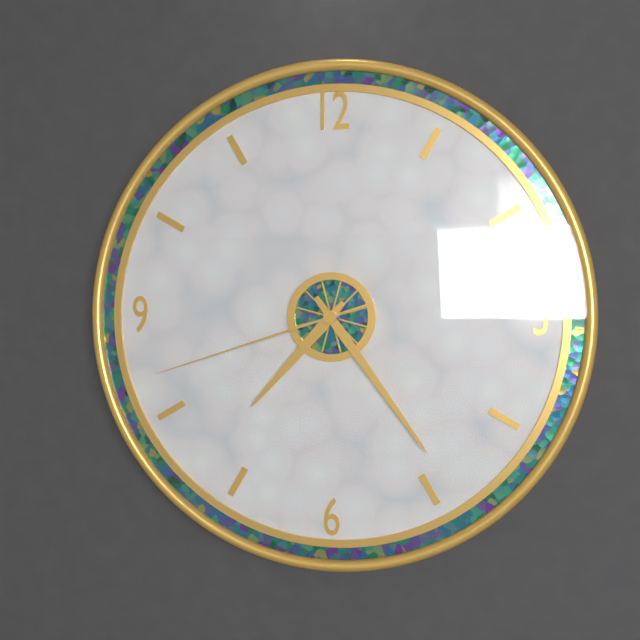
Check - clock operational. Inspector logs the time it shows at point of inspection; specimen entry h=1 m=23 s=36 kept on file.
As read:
h=7 m=24 s=42
